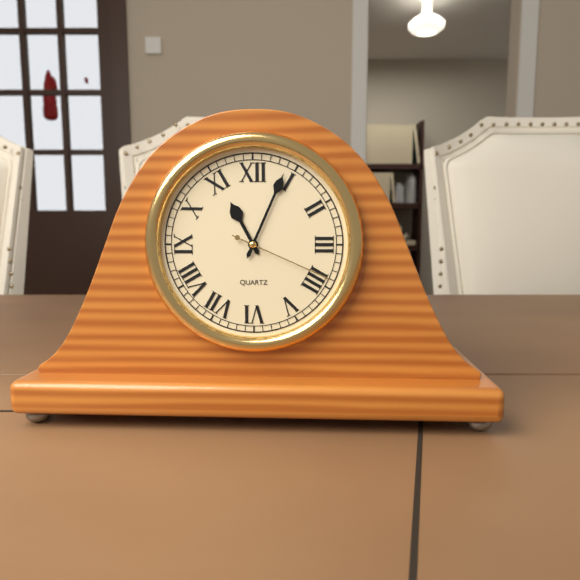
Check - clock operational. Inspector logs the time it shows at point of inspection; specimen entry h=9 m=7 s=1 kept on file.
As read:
h=11 m=4 s=19
